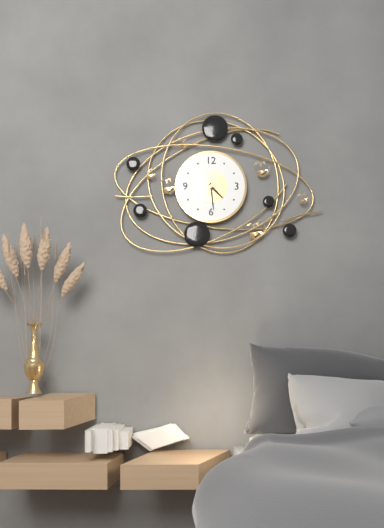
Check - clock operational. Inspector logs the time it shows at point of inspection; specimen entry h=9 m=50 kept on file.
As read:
h=4 m=29
